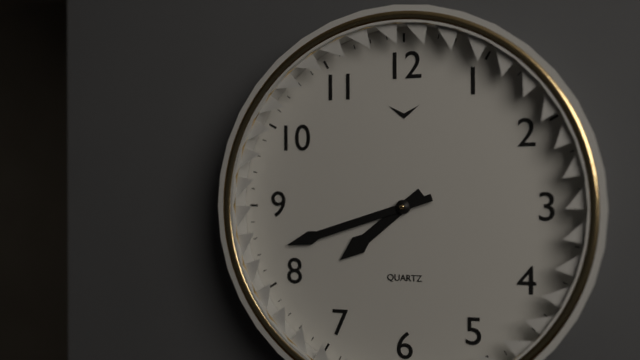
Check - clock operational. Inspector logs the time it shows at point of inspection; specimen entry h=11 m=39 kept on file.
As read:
h=7 m=42
